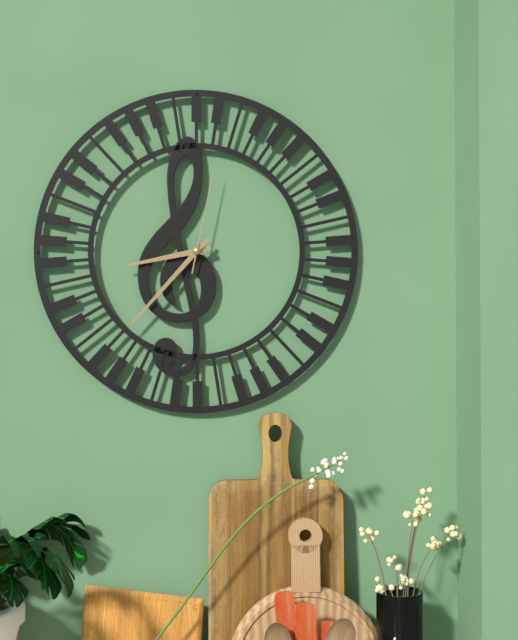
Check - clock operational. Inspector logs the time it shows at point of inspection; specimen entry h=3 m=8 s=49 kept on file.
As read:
h=8 m=37 s=2
